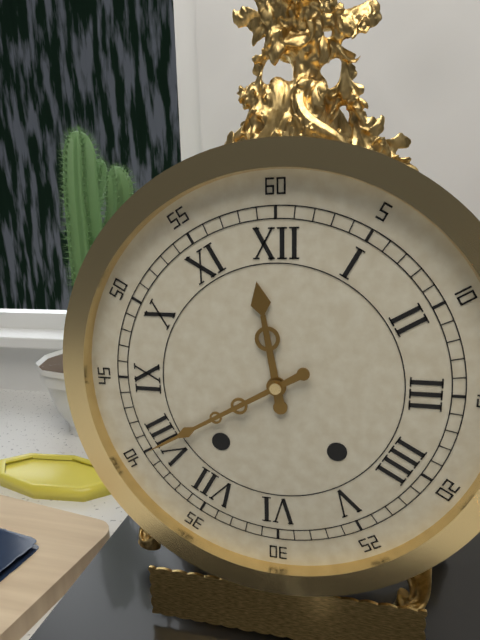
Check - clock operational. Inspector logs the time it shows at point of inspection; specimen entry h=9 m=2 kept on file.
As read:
h=11 m=40
